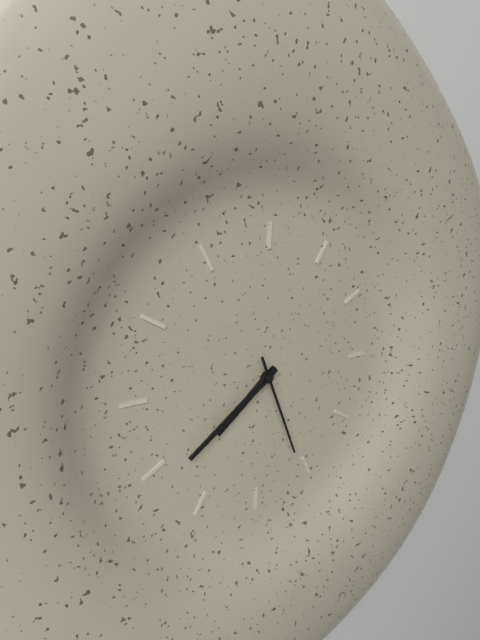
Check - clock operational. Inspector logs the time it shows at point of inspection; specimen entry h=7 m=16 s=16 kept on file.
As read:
h=7 m=39 s=26
